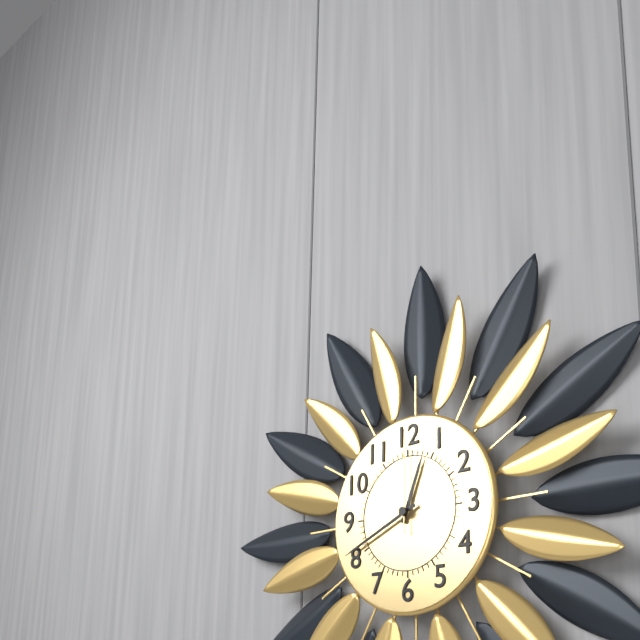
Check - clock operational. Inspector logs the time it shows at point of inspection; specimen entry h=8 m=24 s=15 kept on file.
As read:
h=12 m=41 s=0
